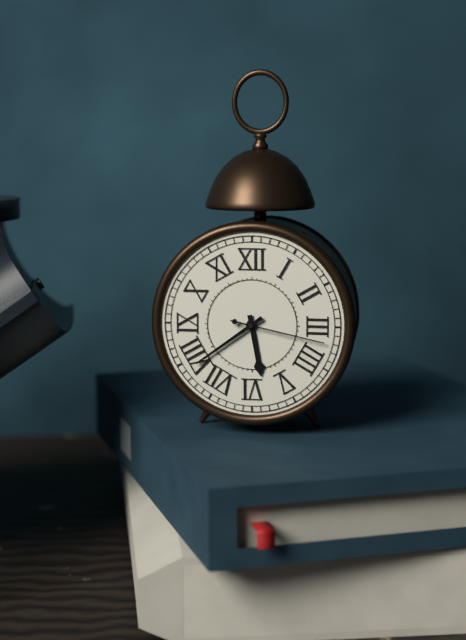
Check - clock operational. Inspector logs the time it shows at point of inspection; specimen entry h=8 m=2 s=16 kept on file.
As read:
h=5 m=39 s=17
